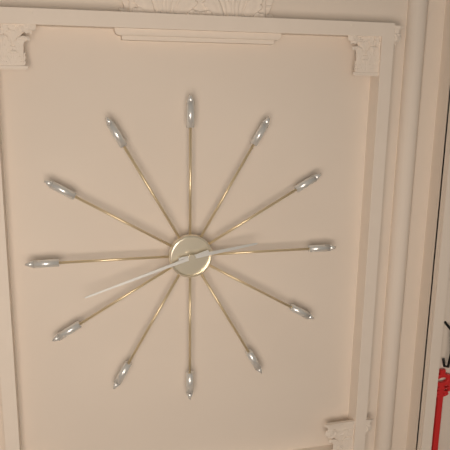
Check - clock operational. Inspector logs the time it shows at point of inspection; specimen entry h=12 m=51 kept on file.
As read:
h=2 m=42
